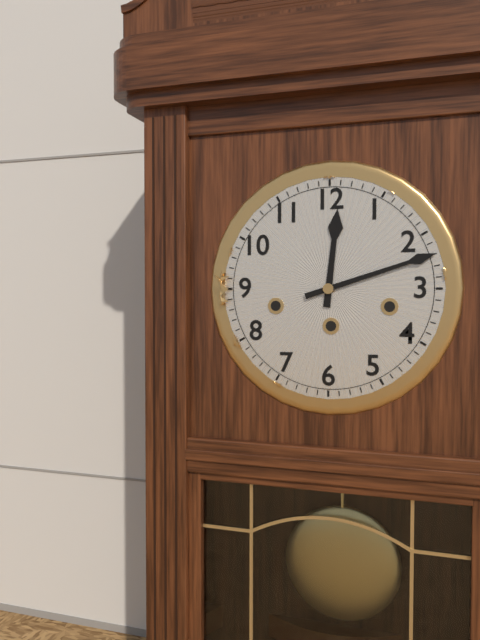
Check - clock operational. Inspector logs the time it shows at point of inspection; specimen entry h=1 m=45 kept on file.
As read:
h=12 m=12
